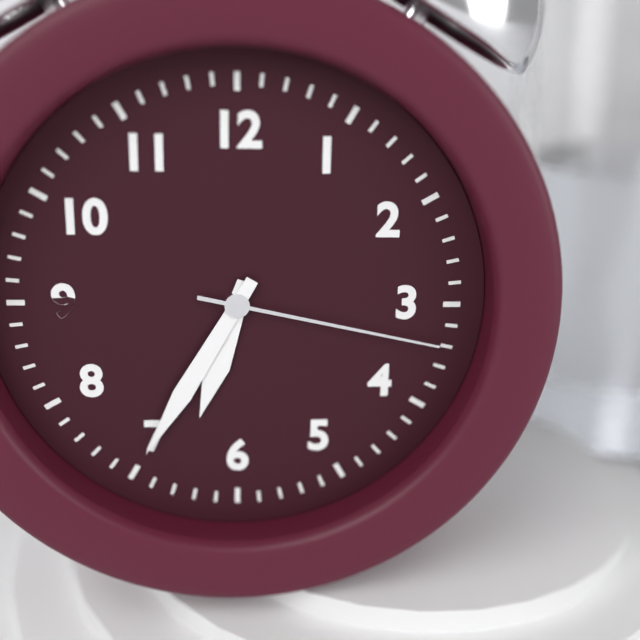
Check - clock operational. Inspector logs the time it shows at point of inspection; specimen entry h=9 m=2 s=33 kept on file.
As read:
h=6 m=35 s=17
